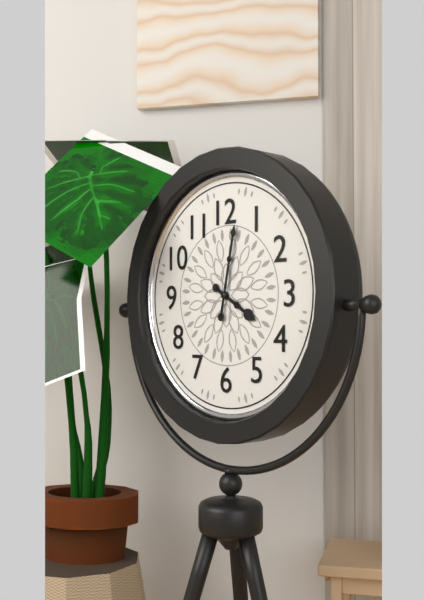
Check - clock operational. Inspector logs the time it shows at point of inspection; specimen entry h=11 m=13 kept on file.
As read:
h=4 m=2
